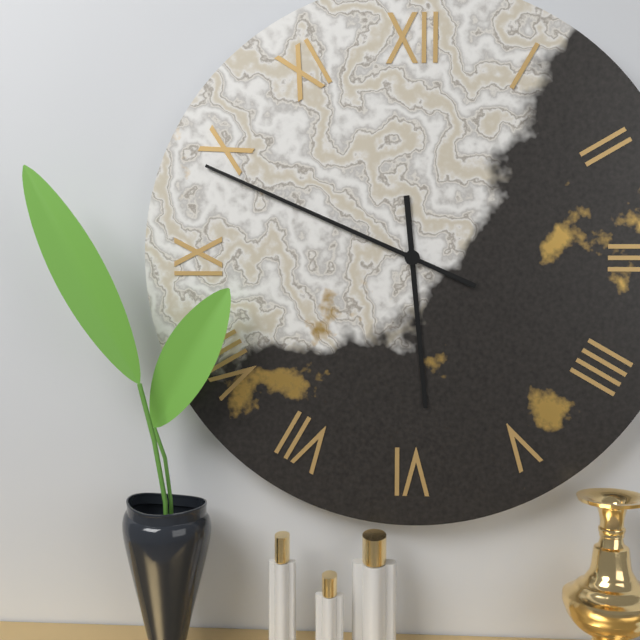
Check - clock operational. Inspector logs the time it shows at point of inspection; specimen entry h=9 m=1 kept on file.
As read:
h=5 m=49
